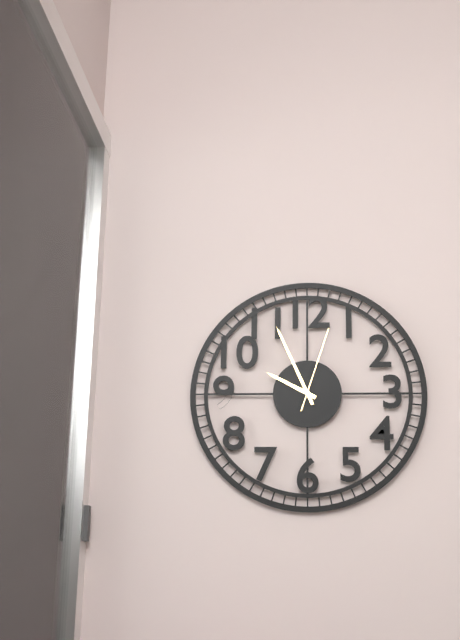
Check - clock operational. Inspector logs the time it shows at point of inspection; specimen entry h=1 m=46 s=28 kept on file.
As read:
h=9 m=56 s=3
